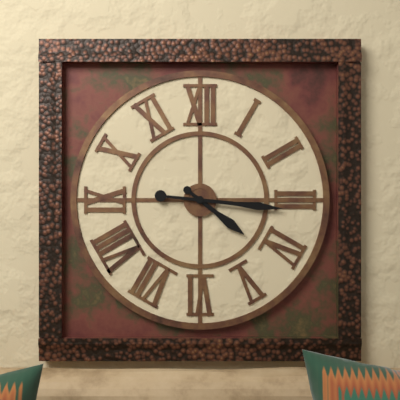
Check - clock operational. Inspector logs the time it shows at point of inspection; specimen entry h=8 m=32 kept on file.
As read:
h=4 m=16
